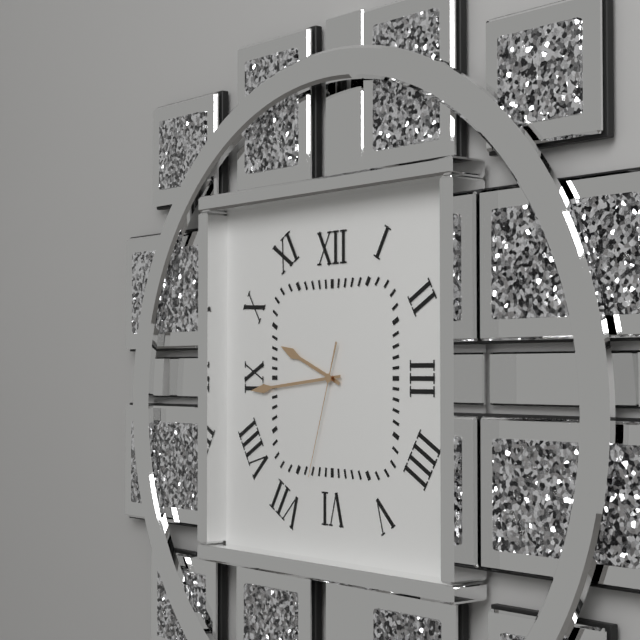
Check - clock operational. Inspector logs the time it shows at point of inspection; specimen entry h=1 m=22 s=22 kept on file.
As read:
h=9 m=44 s=33
